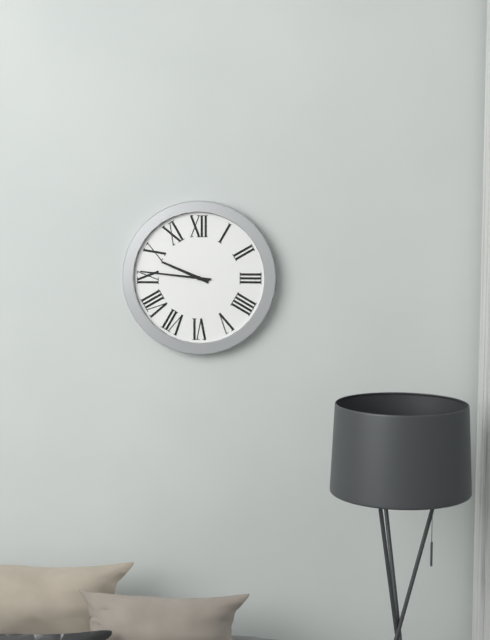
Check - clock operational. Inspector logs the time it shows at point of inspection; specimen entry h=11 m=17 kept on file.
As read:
h=9 m=46
